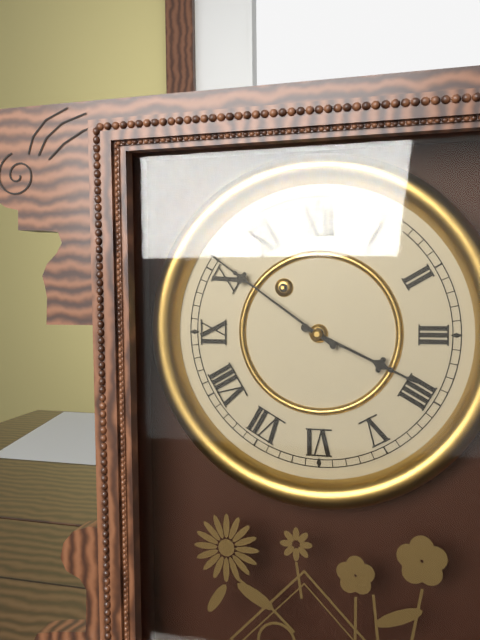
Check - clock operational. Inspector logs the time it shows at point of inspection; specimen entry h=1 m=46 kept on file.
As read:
h=3 m=51
